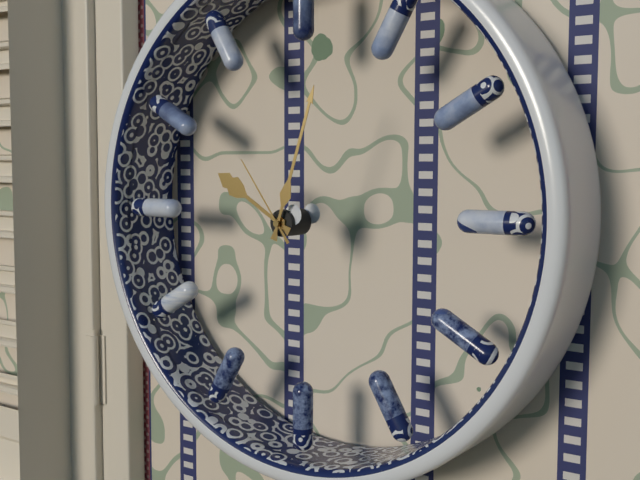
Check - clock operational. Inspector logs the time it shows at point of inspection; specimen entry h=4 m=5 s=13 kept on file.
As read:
h=10 m=3 s=54
